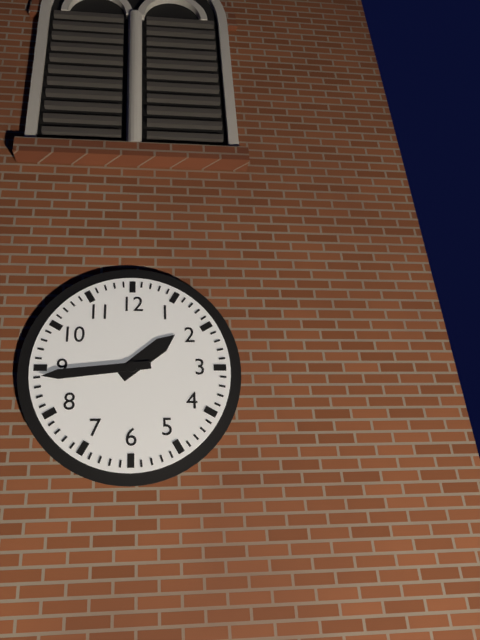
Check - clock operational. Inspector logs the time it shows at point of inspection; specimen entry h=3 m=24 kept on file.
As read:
h=1 m=44
